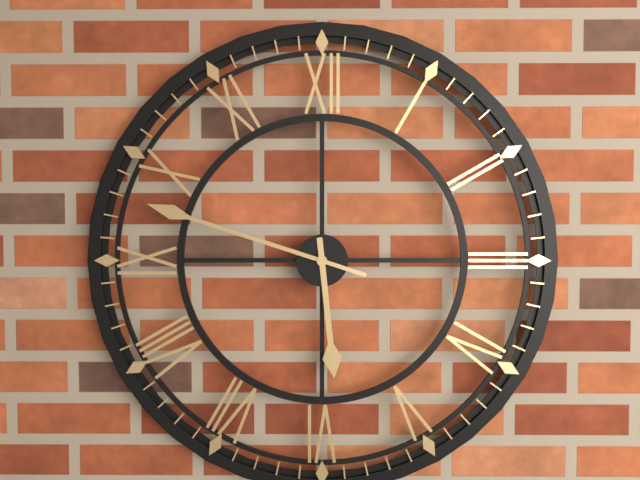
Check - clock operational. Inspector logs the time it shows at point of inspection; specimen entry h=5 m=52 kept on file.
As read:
h=5 m=48
